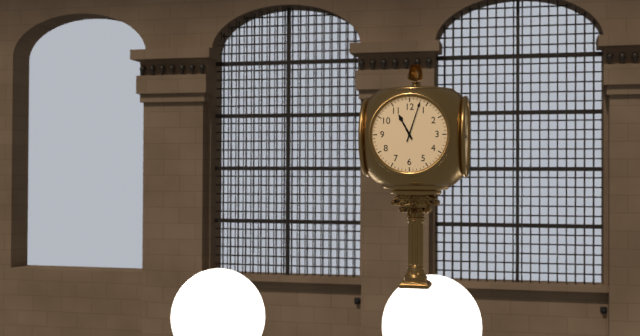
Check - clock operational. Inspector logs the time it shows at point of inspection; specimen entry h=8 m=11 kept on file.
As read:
h=11 m=3
